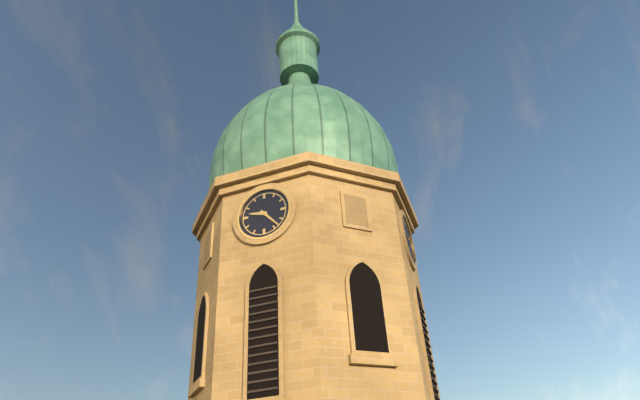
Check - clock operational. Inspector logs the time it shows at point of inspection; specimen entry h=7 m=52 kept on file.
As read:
h=9 m=23
